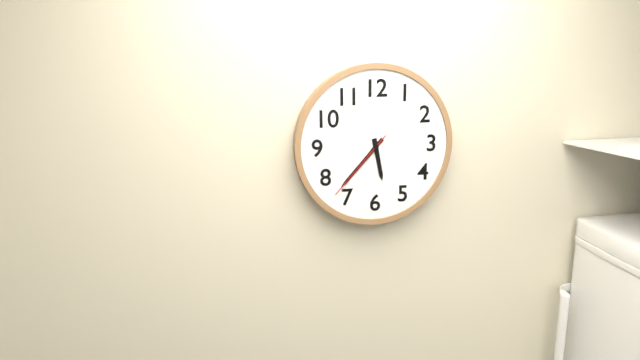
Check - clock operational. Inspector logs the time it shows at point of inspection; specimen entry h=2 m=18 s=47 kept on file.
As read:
h=5 m=37 s=37
